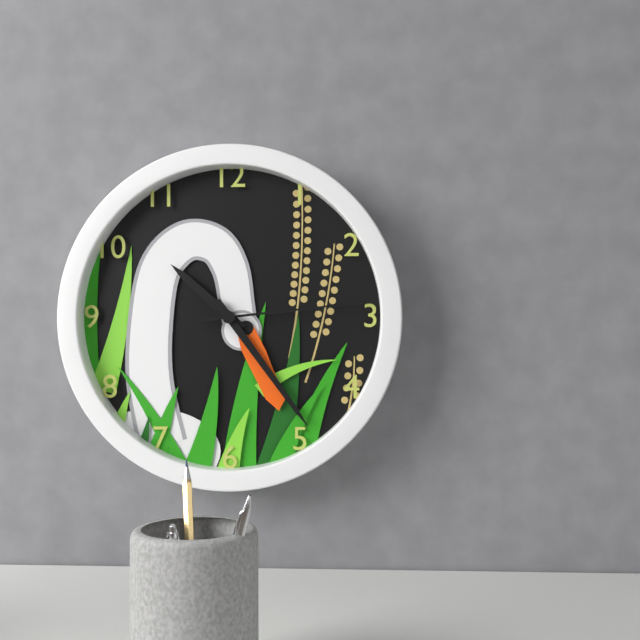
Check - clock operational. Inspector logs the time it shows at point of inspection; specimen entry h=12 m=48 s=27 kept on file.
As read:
h=10 m=24 s=14
